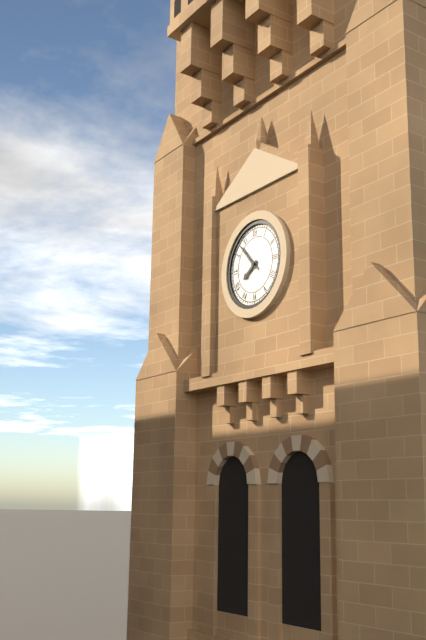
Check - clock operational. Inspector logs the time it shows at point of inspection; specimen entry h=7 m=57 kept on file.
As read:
h=7 m=53
